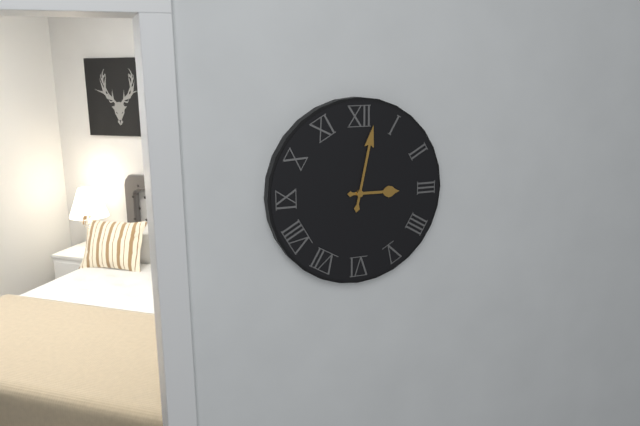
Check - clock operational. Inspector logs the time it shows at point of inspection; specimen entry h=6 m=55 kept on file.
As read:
h=3 m=2
